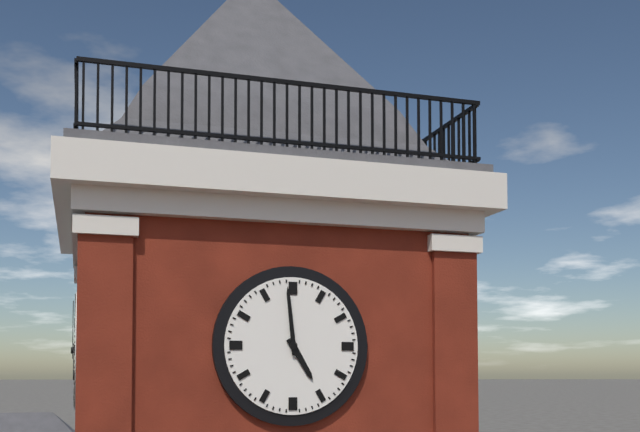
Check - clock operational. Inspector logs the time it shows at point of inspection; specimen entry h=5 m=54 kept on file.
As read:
h=4 m=59
